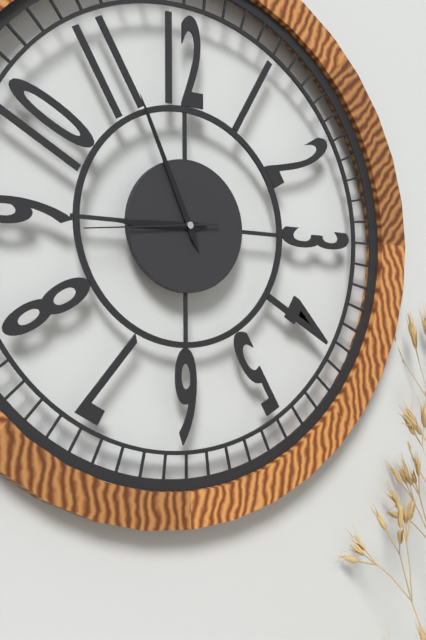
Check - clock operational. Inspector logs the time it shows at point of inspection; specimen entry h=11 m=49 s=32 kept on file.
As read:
h=8 m=56 s=44
